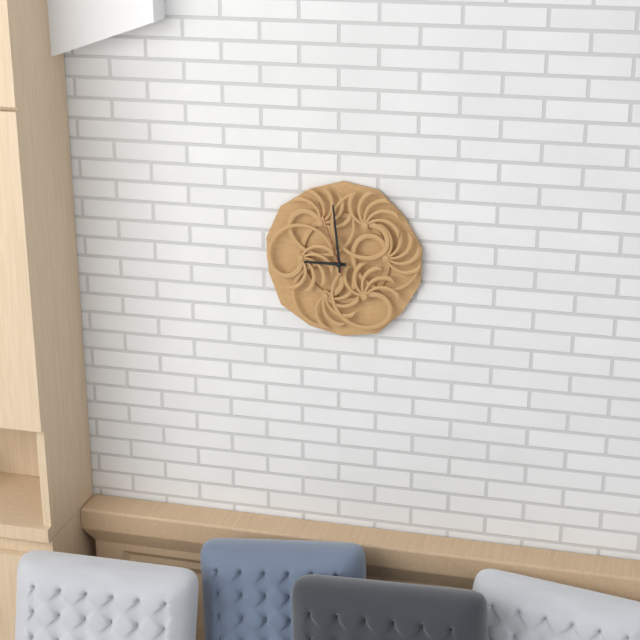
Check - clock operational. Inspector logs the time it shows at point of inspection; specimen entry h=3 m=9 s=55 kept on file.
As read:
h=8 m=59 s=57
